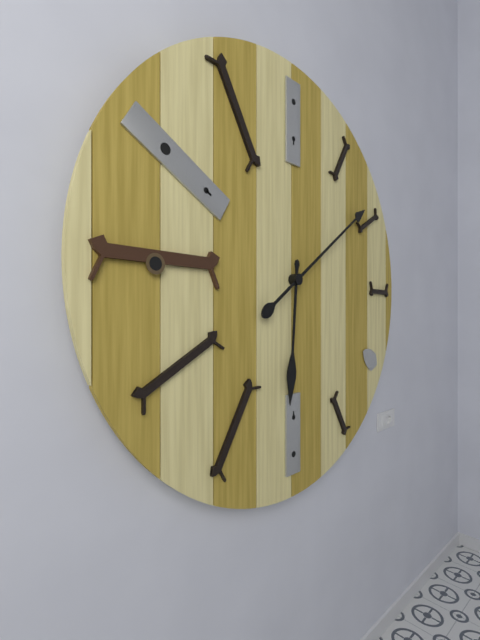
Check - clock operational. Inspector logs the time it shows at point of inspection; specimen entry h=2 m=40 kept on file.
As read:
h=6 m=9
